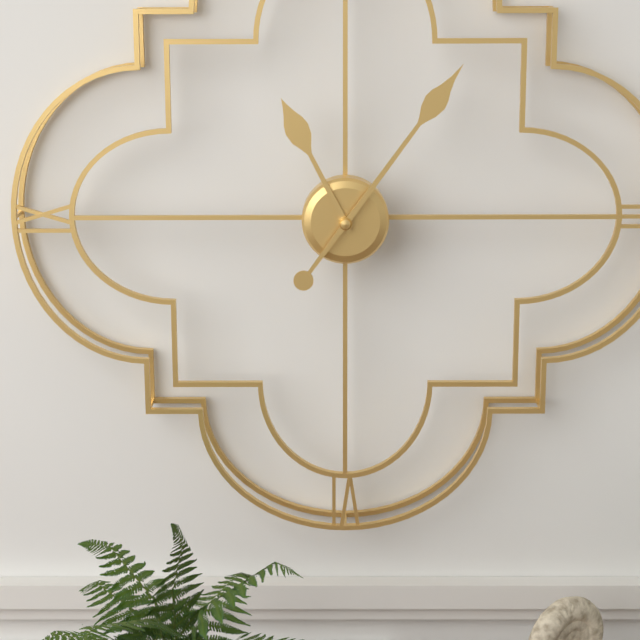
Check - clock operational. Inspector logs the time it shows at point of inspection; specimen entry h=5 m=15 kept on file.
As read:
h=11 m=6
